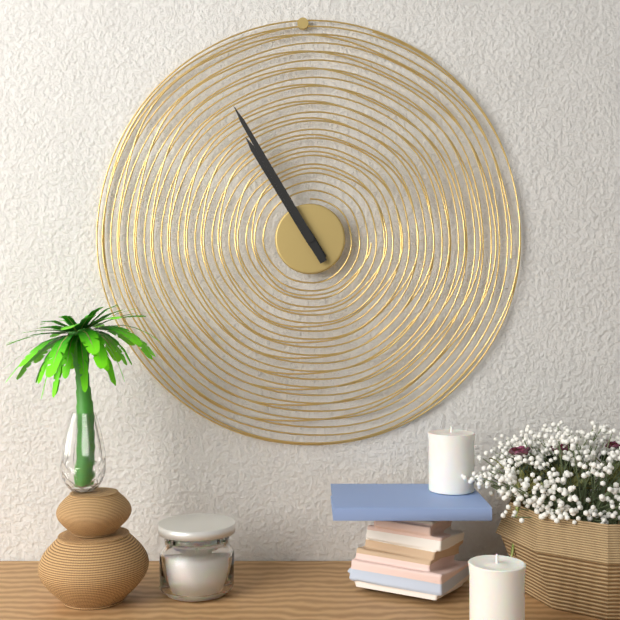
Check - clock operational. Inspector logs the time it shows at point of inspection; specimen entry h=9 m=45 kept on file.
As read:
h=10 m=55
